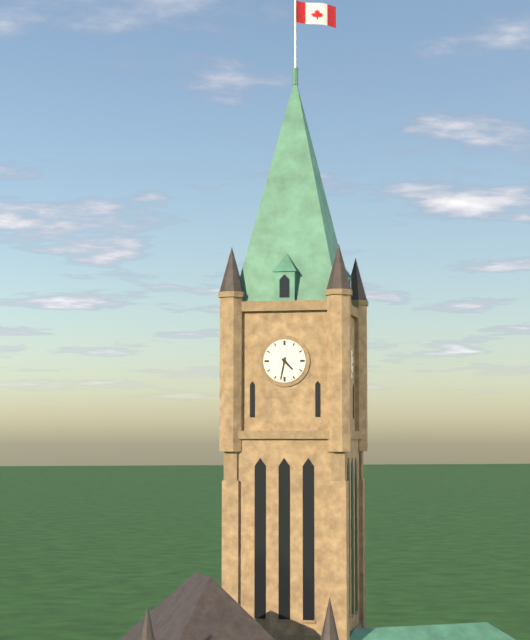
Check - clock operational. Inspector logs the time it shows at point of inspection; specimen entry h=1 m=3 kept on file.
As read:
h=4 m=32
